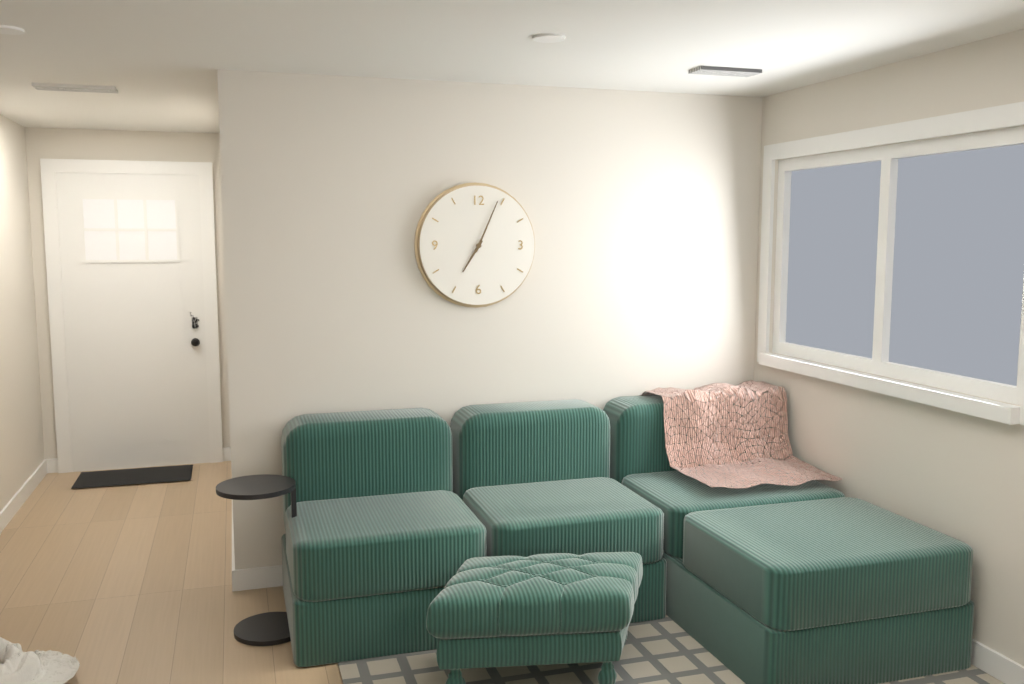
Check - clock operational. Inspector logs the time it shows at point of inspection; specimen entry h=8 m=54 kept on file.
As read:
h=7 m=4
